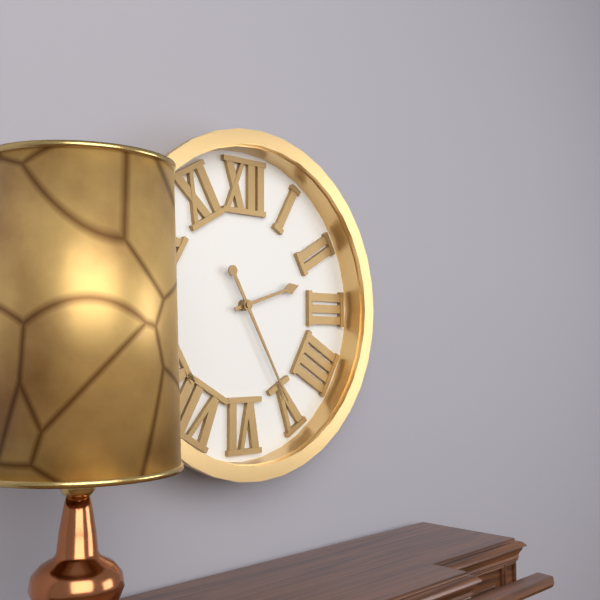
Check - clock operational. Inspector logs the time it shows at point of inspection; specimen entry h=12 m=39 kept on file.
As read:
h=2 m=25
